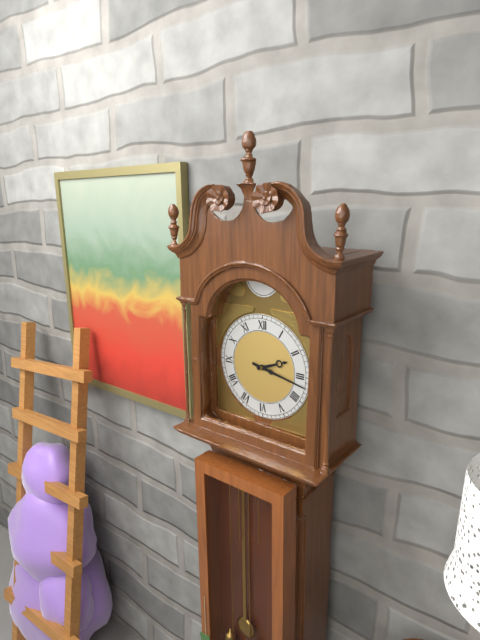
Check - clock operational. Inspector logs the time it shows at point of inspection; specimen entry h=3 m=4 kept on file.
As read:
h=2 m=17
